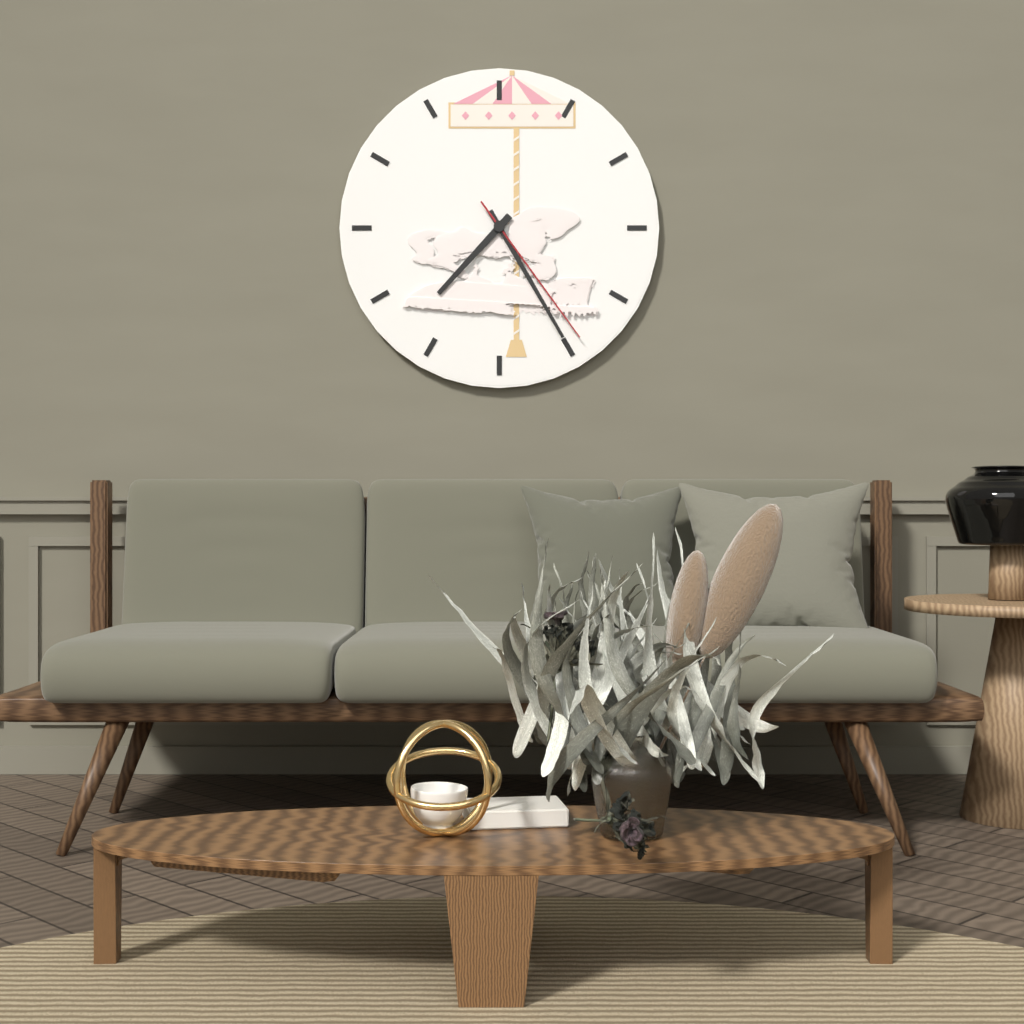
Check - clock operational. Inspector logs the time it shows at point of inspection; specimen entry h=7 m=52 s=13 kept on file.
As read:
h=7 m=25 s=24
